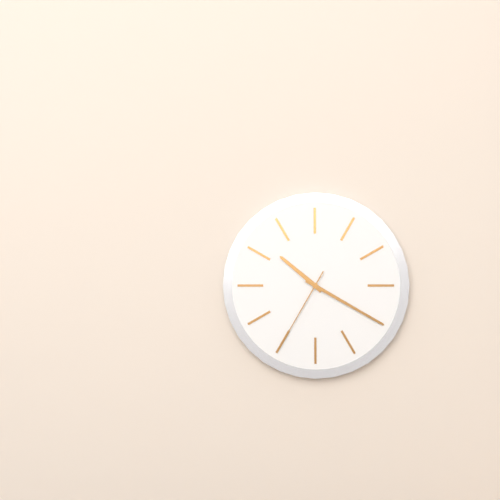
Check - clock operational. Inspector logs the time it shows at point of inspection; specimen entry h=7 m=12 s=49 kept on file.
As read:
h=10 m=20 s=35
